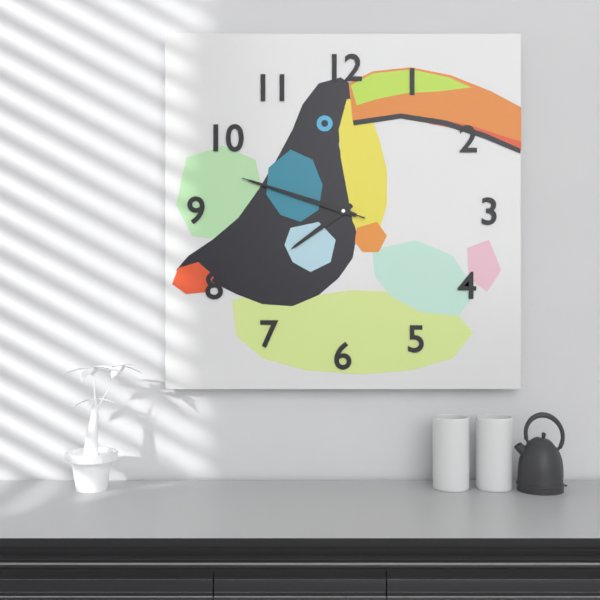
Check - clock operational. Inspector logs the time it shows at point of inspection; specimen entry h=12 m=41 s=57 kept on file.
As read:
h=7 m=48 s=48
